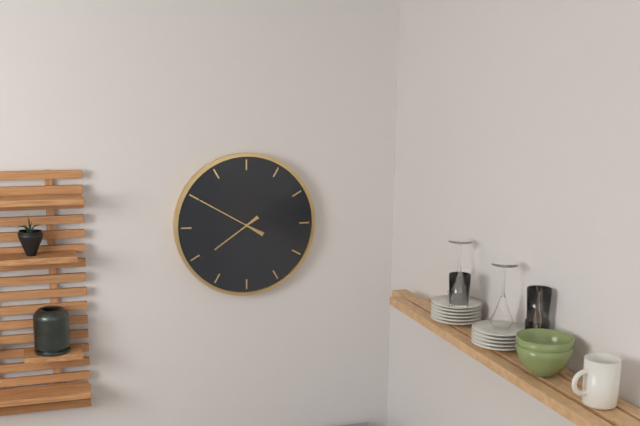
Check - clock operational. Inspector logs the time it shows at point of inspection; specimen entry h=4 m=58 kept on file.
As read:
h=7 m=50
